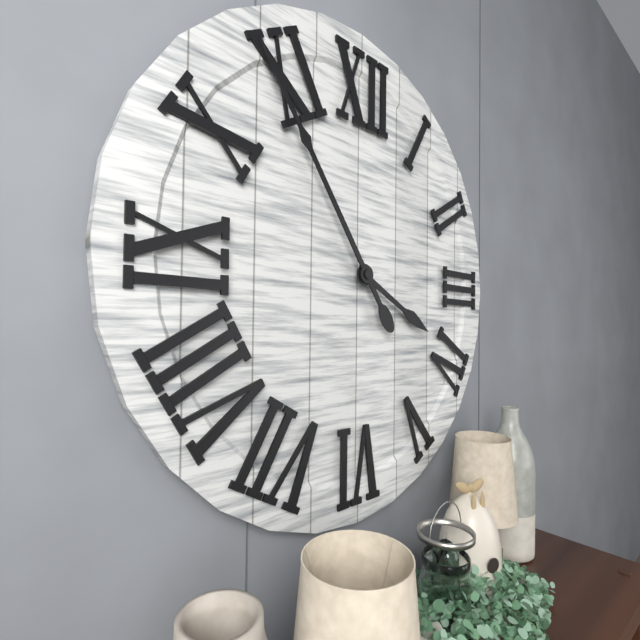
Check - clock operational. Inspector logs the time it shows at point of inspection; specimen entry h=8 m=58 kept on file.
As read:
h=3 m=54
